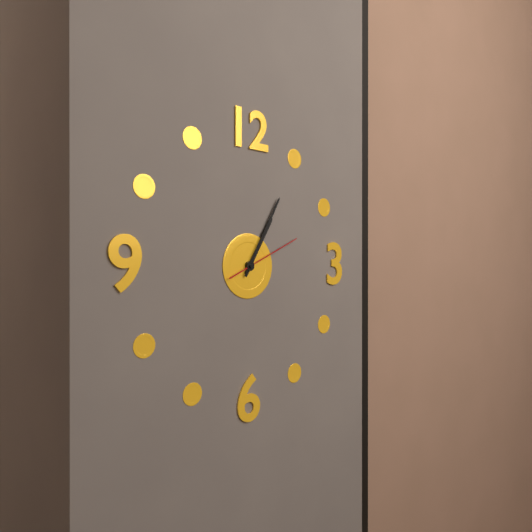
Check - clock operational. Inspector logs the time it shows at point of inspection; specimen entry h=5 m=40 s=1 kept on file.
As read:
h=1 m=5 s=11
